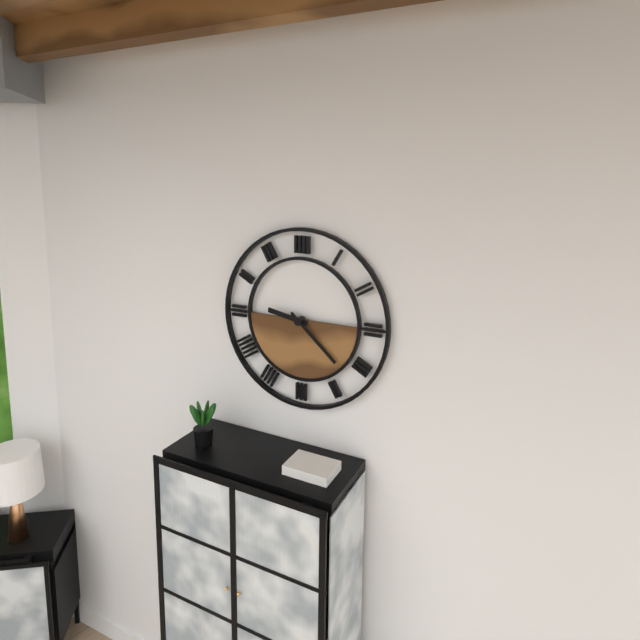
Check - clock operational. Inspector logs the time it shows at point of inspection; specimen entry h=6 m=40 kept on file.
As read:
h=9 m=22
